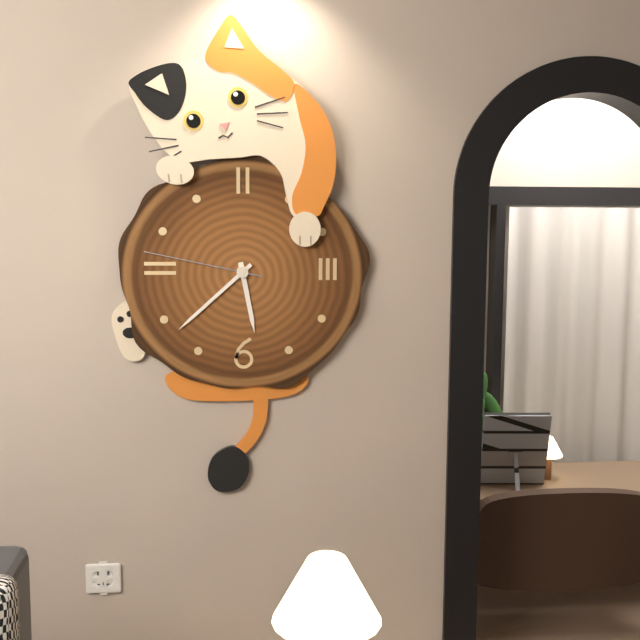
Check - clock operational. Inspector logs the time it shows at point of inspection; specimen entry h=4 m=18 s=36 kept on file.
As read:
h=5 m=38 s=47
